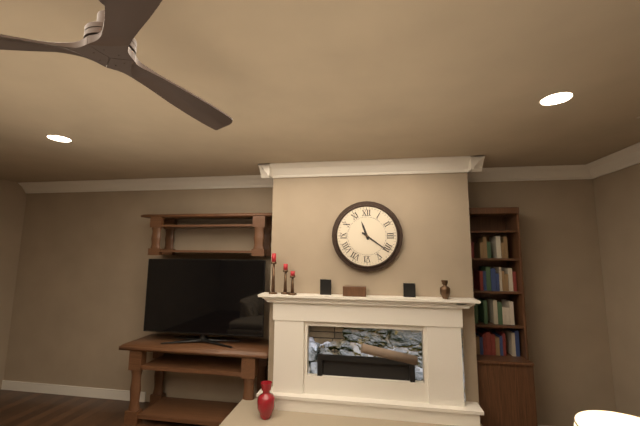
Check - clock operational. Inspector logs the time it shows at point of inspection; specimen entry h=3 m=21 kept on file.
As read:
h=11 m=21
